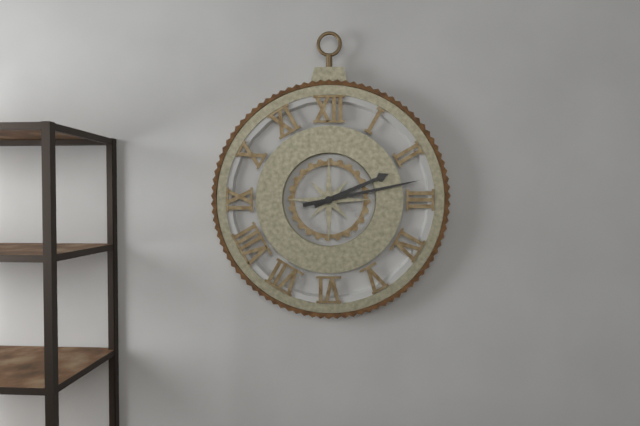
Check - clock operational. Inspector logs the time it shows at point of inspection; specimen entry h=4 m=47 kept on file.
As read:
h=2 m=13
